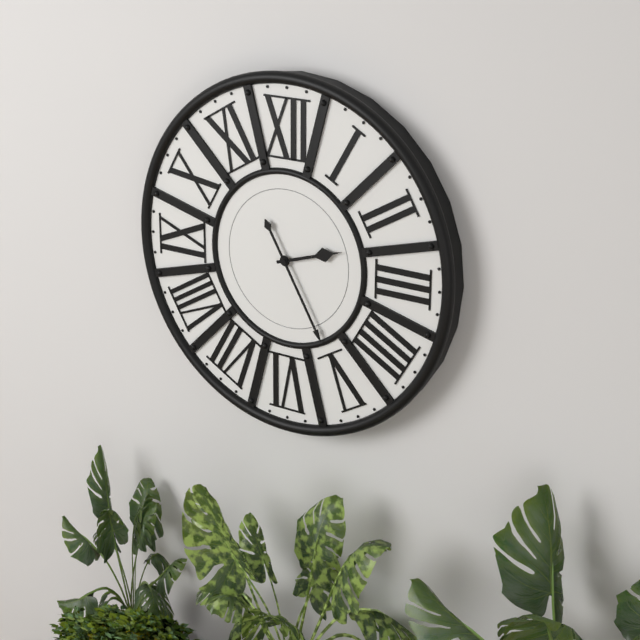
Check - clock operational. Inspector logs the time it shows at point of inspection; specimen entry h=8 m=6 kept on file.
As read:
h=2 m=25
